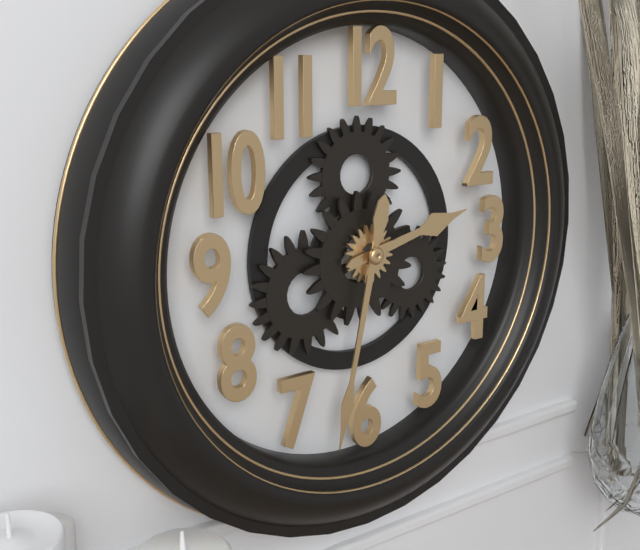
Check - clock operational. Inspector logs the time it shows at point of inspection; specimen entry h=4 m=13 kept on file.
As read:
h=2 m=32
